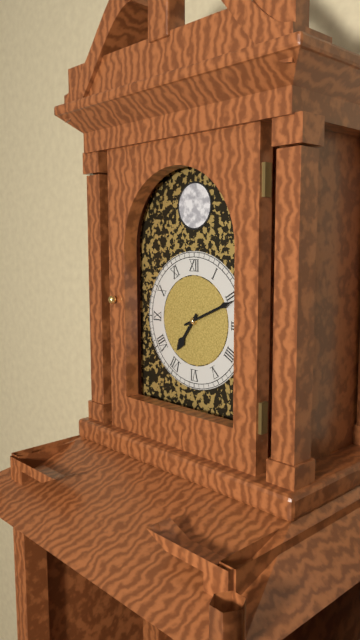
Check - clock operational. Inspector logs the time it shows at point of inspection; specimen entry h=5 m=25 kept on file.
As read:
h=7 m=11
